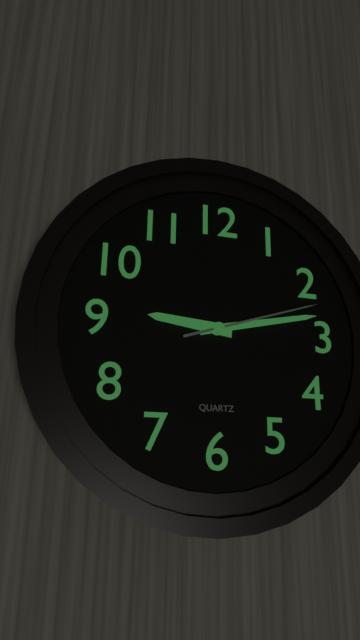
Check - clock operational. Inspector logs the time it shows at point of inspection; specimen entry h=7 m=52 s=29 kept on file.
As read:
h=9 m=13 s=12
